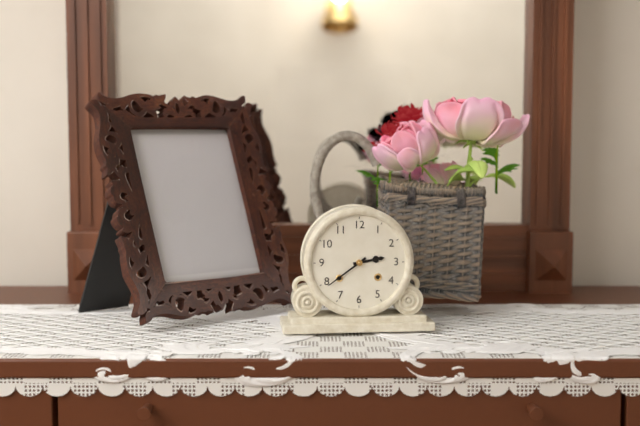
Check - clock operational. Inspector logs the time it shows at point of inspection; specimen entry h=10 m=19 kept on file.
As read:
h=2 m=39
